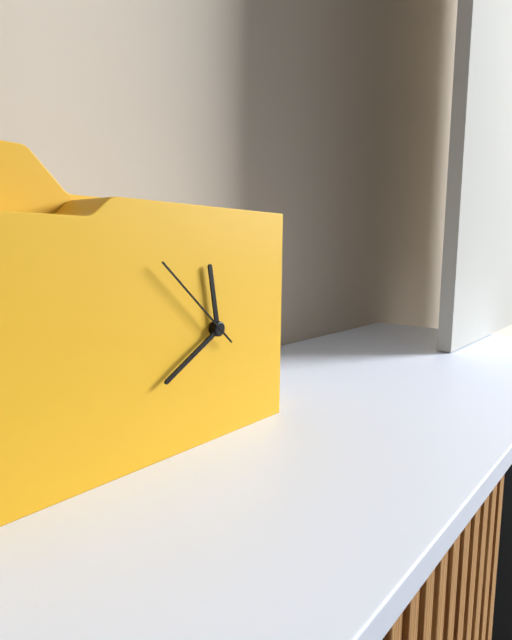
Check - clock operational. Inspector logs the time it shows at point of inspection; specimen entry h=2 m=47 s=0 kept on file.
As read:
h=11 m=40 s=52
